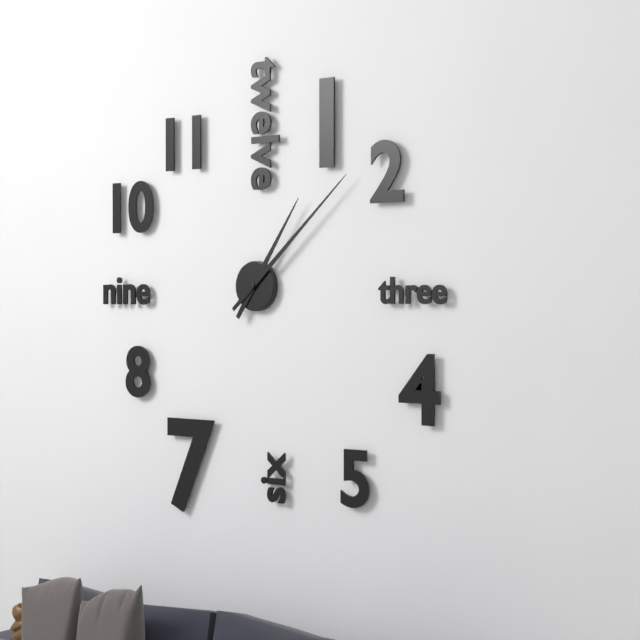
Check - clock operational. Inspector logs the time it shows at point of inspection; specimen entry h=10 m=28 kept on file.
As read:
h=1 m=8
